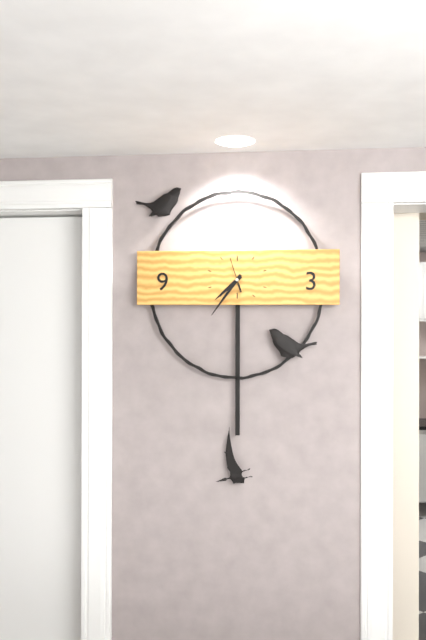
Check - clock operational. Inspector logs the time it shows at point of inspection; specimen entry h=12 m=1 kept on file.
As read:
h=7 m=36
